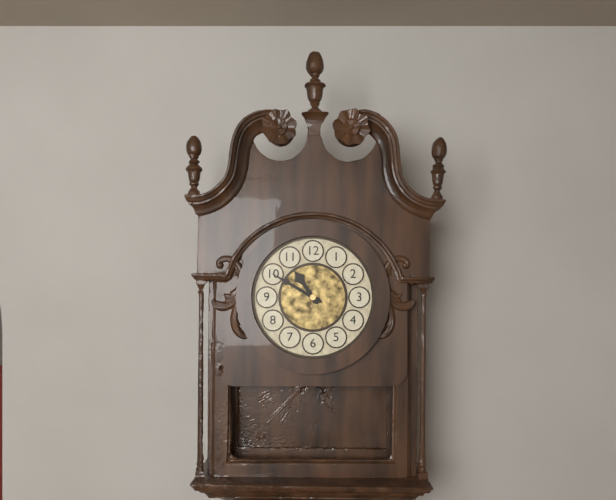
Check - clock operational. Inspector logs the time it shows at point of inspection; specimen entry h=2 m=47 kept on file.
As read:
h=10 m=50
